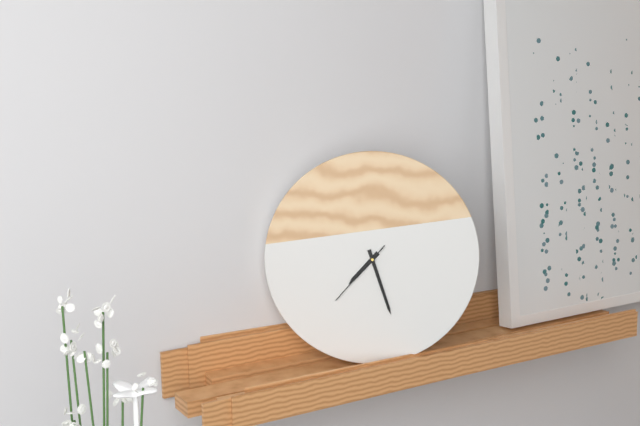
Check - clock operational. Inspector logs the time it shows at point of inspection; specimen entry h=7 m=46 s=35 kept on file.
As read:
h=7 m=27 s=37
